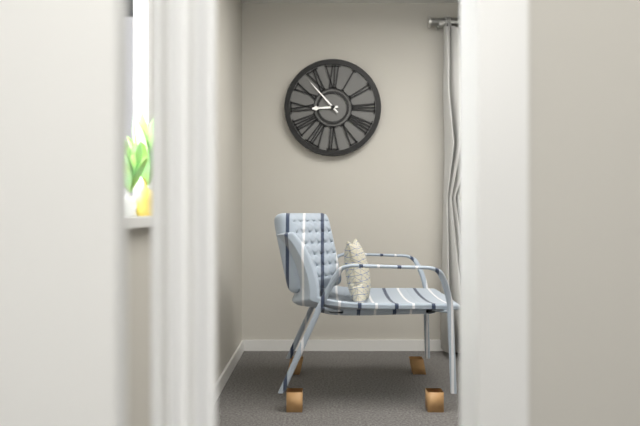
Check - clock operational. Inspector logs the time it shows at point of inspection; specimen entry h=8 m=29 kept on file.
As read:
h=8 m=53
